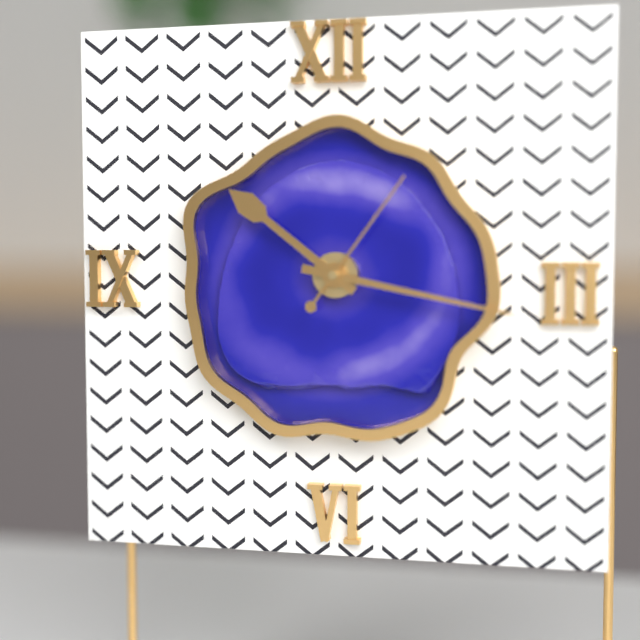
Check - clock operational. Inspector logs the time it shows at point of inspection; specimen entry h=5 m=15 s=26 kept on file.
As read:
h=10 m=17 s=6
